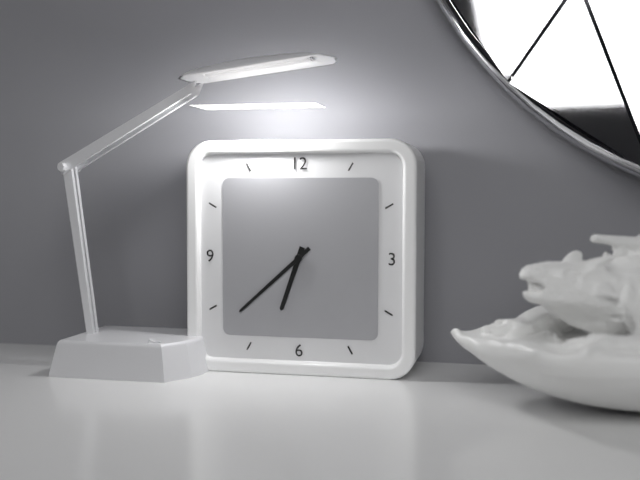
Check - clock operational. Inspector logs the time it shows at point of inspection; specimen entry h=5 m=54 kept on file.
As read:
h=6 m=38
